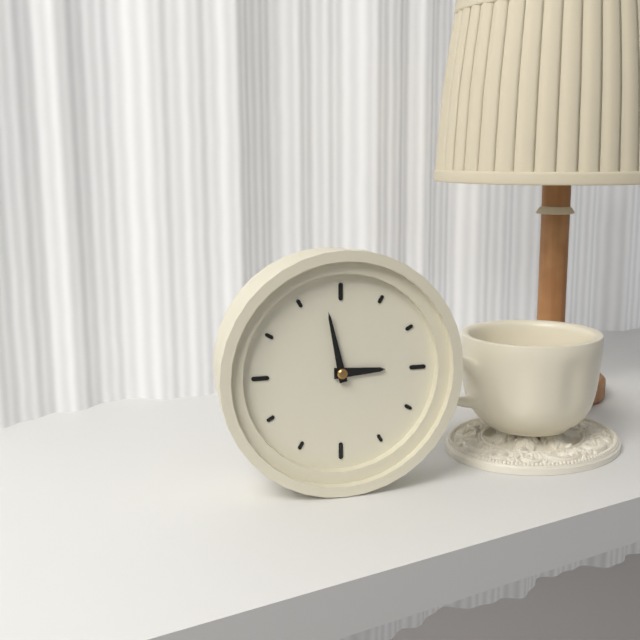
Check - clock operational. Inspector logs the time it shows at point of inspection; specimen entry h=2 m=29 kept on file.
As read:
h=2 m=58
